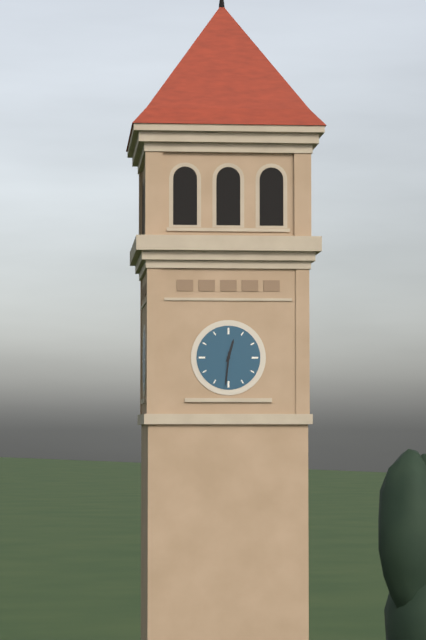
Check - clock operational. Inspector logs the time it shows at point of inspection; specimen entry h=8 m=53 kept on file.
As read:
h=12 m=31
